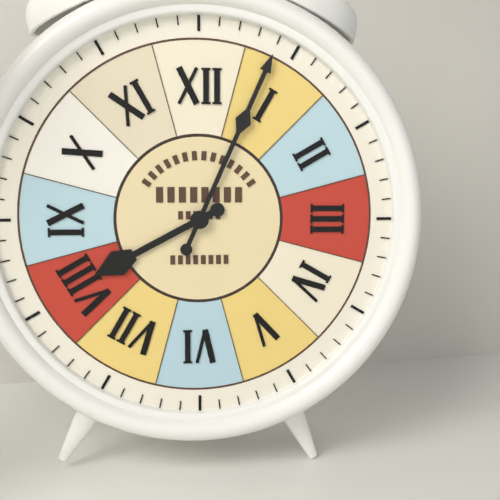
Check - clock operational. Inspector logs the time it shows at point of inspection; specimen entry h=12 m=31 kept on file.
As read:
h=8 m=4
